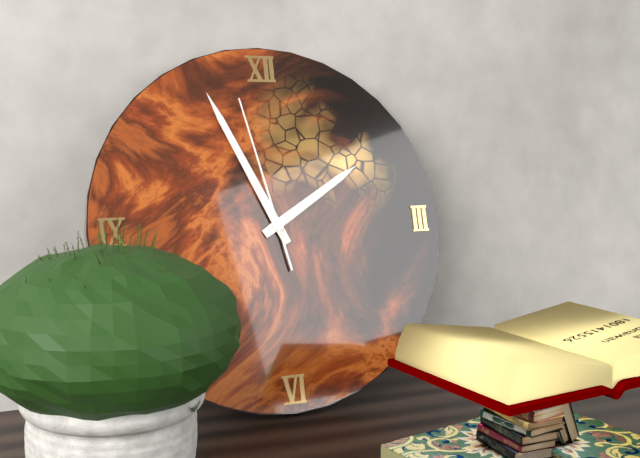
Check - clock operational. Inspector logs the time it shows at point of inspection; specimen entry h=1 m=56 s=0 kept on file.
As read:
h=1 m=56 s=58
